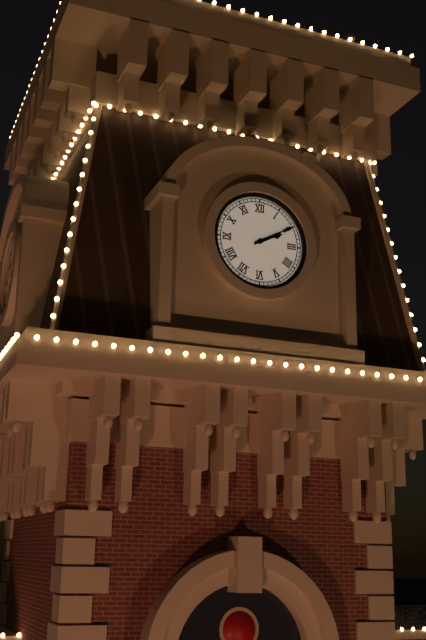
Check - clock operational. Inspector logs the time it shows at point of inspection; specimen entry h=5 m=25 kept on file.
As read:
h=2 m=10
